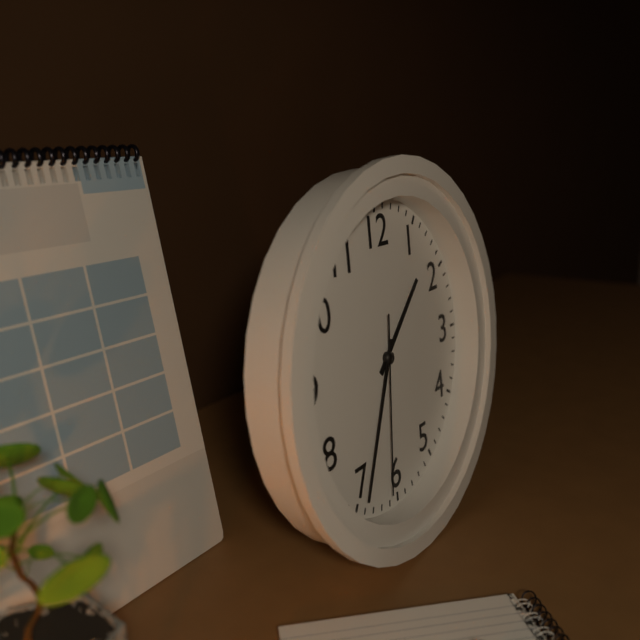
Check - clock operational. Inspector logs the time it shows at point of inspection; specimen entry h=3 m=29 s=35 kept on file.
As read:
h=1 m=34 s=31
